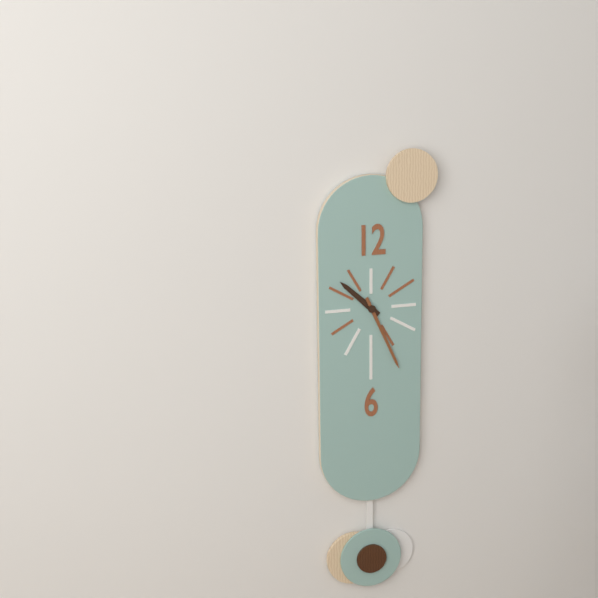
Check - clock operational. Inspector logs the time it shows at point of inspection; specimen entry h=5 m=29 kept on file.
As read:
h=10 m=26
